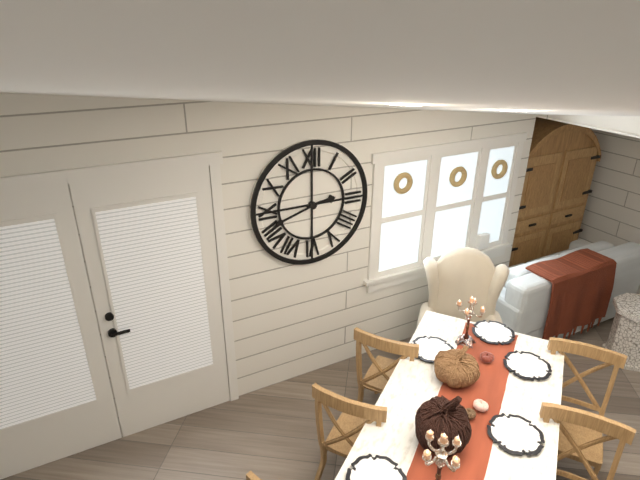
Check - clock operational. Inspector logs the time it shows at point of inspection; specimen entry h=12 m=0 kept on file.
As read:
h=2 m=42
